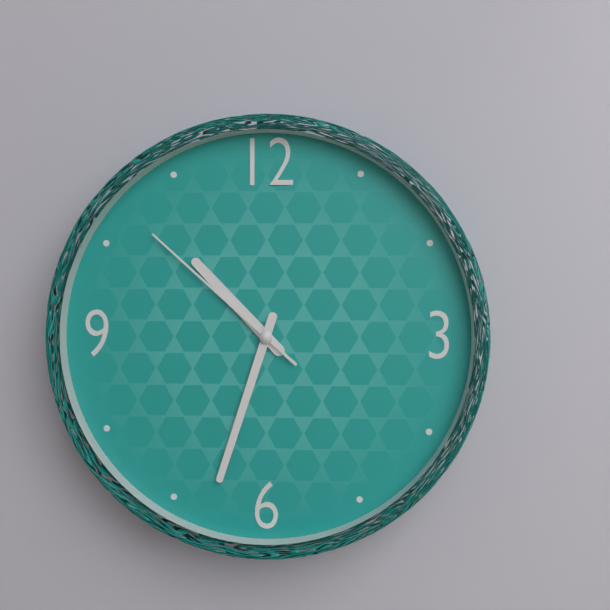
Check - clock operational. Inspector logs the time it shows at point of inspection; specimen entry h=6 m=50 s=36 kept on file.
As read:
h=10 m=33 s=52
